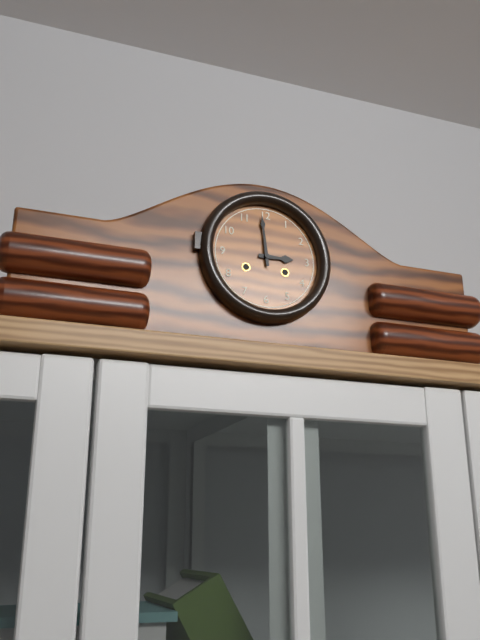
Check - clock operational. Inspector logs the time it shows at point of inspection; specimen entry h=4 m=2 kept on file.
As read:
h=2 m=59
